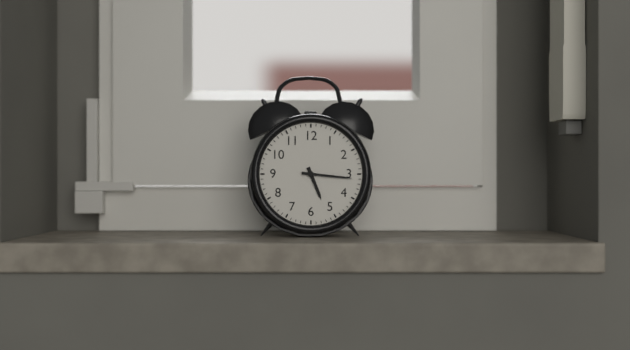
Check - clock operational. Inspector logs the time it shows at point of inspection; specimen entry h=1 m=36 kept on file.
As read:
h=5 m=16
